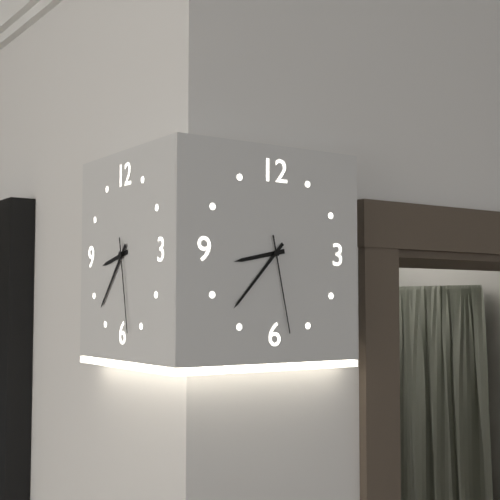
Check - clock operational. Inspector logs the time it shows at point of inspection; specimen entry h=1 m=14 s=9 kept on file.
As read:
h=8 m=37 s=28
